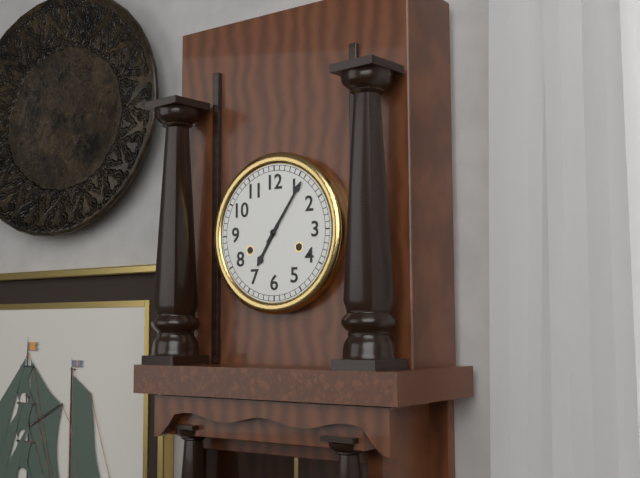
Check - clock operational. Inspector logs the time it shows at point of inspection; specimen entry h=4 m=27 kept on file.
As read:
h=7 m=6
